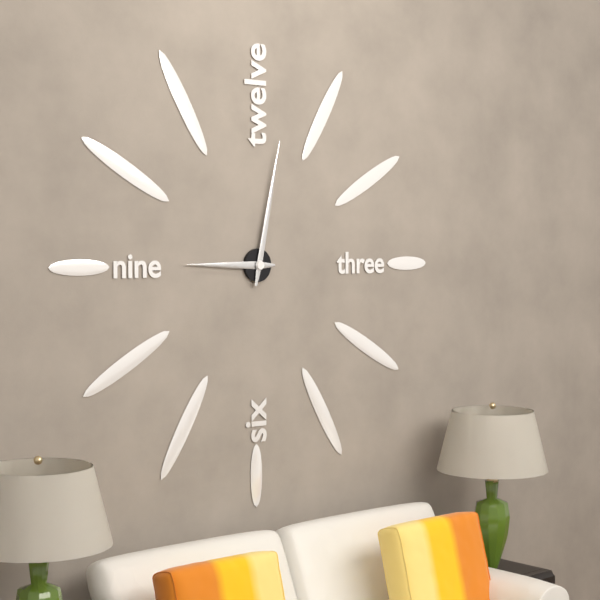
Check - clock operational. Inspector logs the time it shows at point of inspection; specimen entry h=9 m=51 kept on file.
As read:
h=9 m=2
